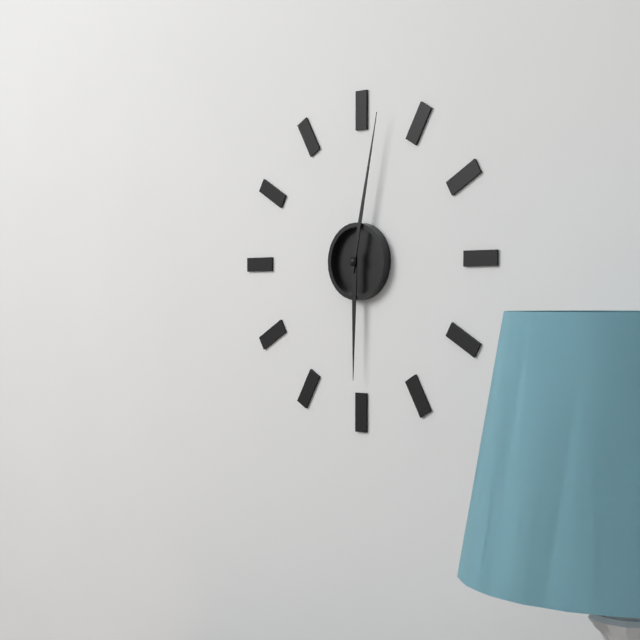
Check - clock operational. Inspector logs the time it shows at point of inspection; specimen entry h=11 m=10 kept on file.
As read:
h=6 m=2
